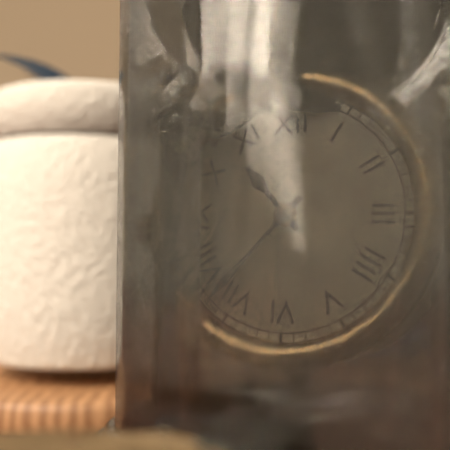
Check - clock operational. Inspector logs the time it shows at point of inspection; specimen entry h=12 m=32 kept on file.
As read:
h=10 m=37
